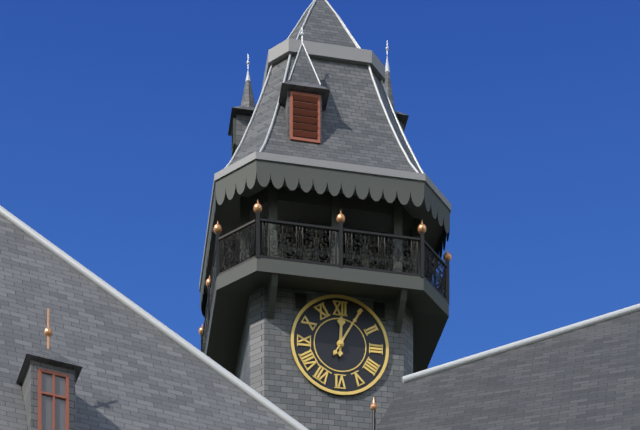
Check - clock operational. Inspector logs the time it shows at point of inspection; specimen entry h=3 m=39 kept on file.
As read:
h=12 m=5
